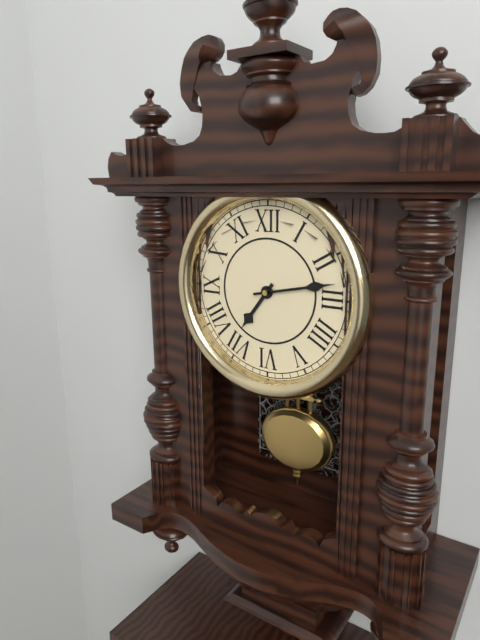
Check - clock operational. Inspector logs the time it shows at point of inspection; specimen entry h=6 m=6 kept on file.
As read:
h=7 m=13
